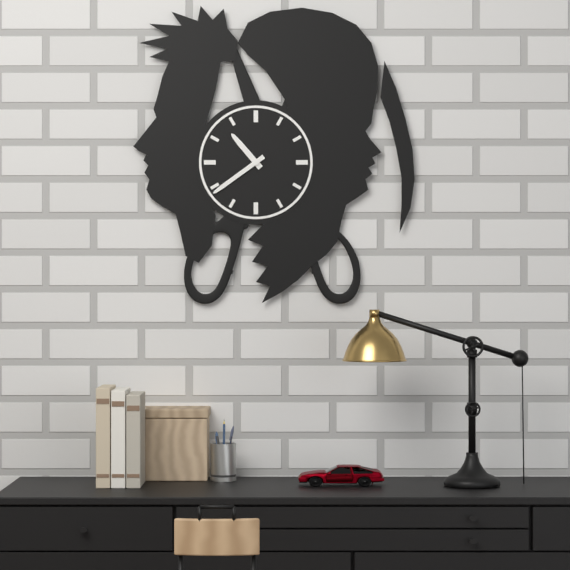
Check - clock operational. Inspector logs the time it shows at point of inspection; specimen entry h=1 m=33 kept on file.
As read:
h=10 m=39
